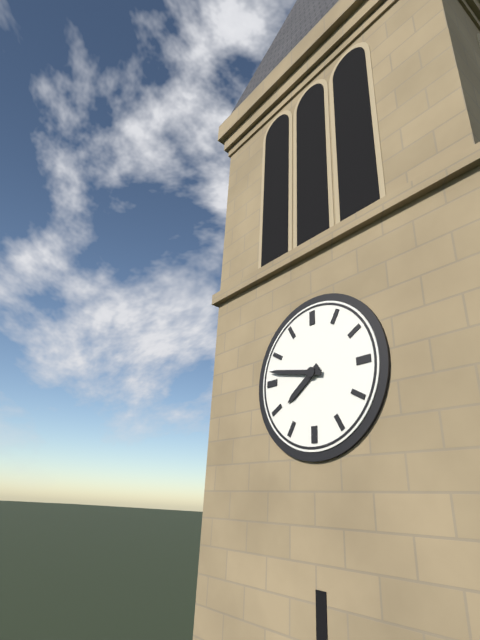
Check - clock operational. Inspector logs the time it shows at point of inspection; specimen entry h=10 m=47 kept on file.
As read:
h=7 m=47
